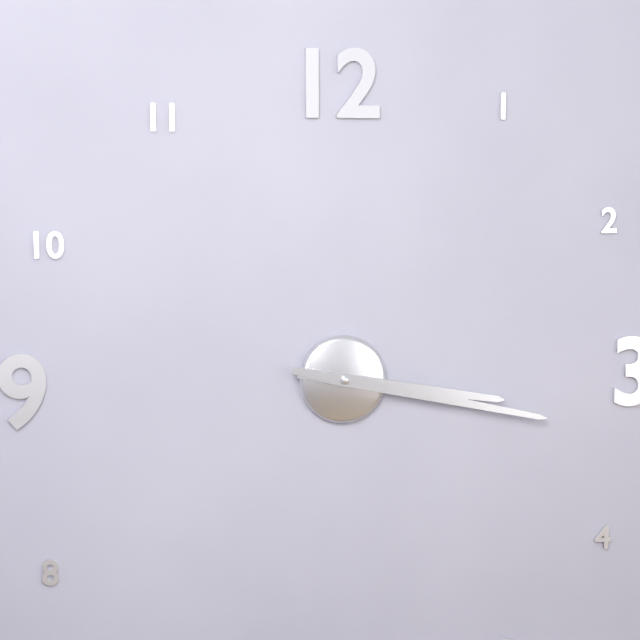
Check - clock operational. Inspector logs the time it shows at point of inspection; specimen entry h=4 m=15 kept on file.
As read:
h=3 m=17
